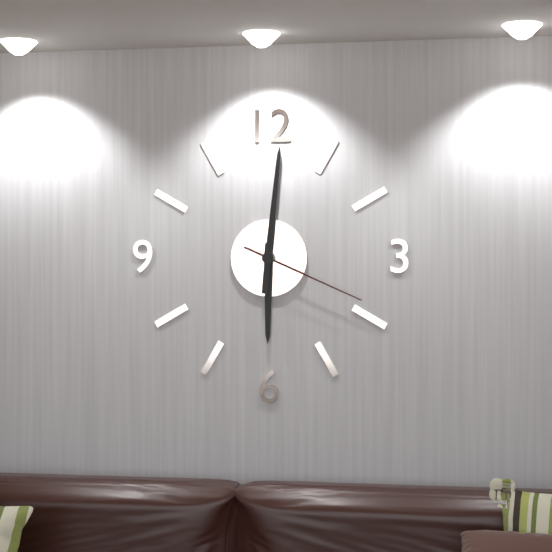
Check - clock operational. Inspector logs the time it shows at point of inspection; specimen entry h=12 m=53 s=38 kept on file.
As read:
h=6 m=1 s=19
